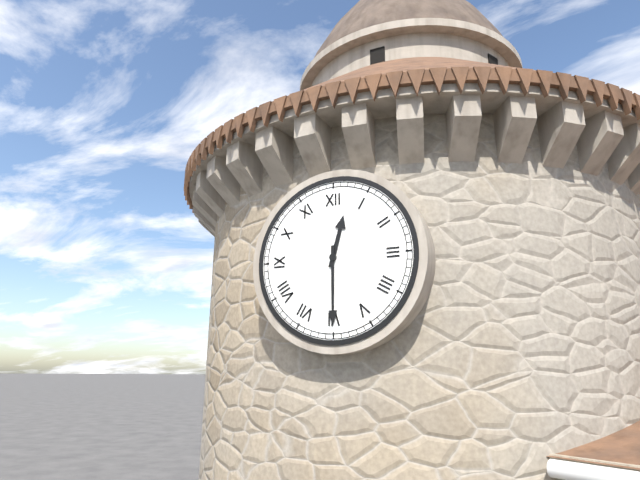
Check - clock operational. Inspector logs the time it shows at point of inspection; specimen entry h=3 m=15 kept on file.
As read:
h=12 m=30
